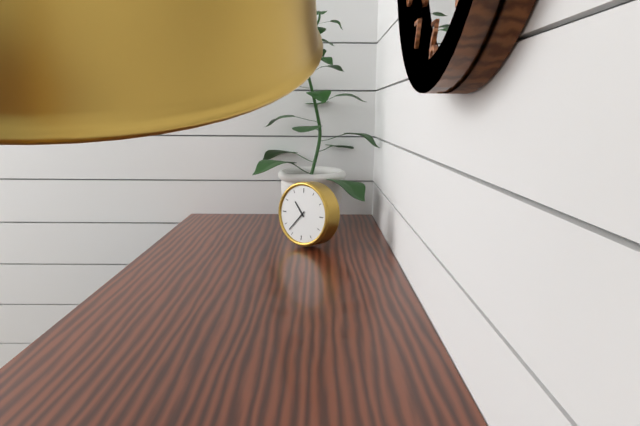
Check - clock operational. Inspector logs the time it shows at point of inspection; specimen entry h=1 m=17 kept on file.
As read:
h=10 m=37
